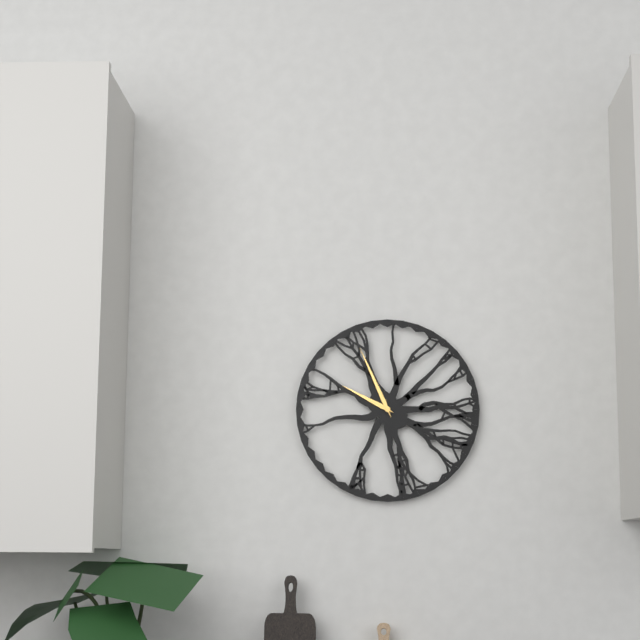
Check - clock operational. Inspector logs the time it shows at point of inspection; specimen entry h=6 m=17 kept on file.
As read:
h=9 m=56
